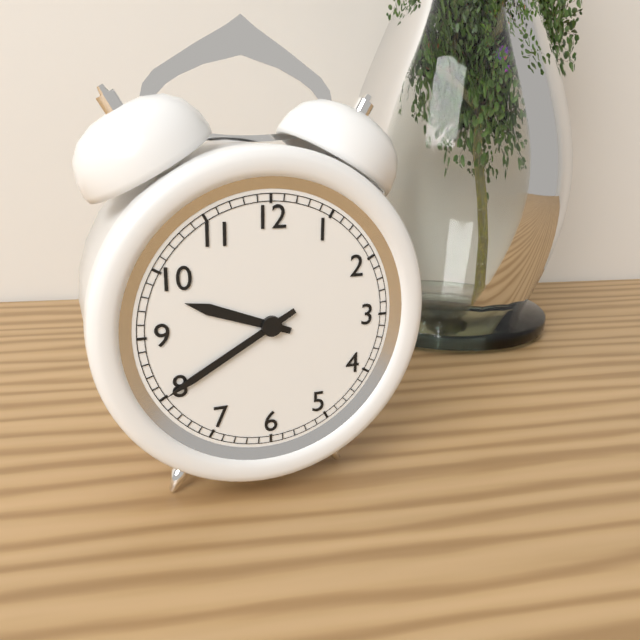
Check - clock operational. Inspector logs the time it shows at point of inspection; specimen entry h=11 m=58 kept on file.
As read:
h=9 m=40
